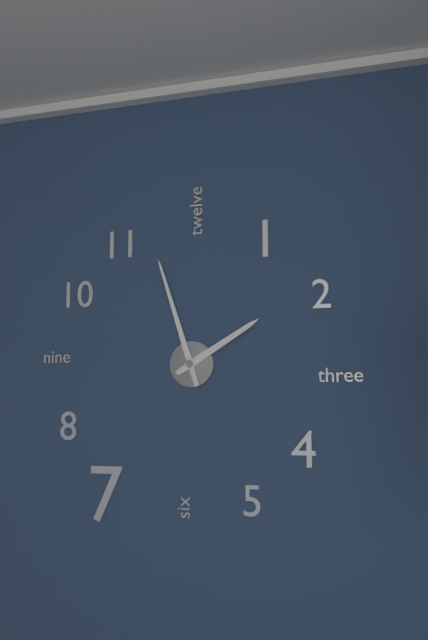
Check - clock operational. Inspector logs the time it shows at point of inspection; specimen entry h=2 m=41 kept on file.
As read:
h=1 m=57
